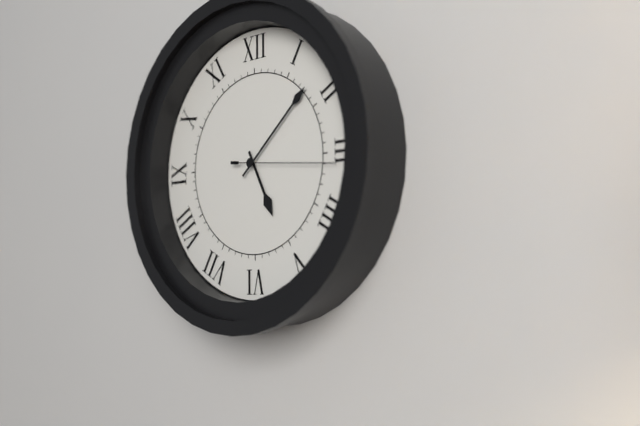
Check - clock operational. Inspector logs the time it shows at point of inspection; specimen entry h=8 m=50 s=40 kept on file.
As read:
h=5 m=8 s=16
